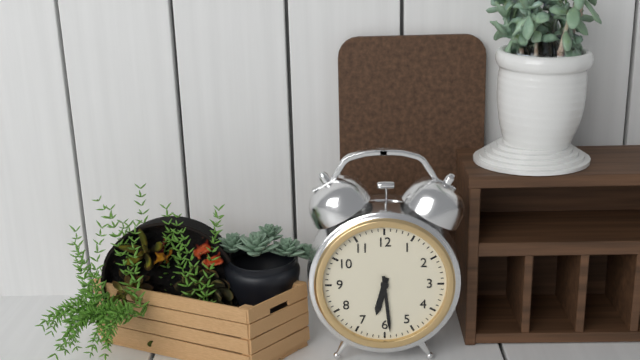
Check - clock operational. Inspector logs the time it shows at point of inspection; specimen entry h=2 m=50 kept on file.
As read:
h=6 m=29
